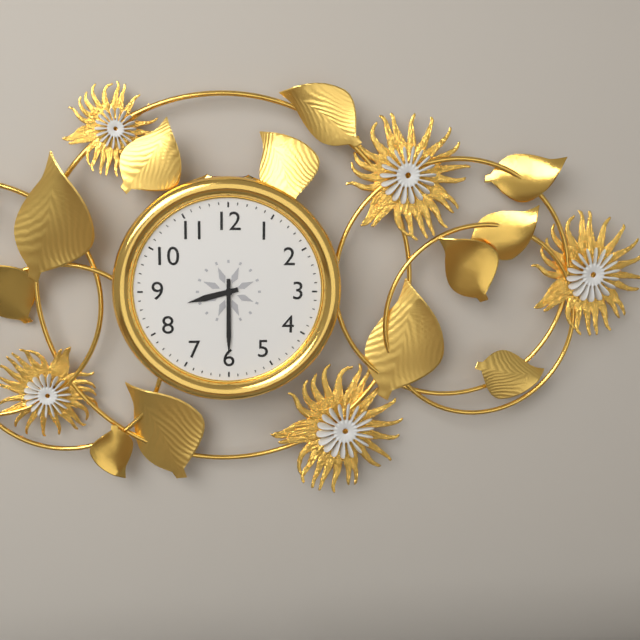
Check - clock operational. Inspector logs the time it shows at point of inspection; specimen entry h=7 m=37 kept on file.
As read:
h=8 m=30
